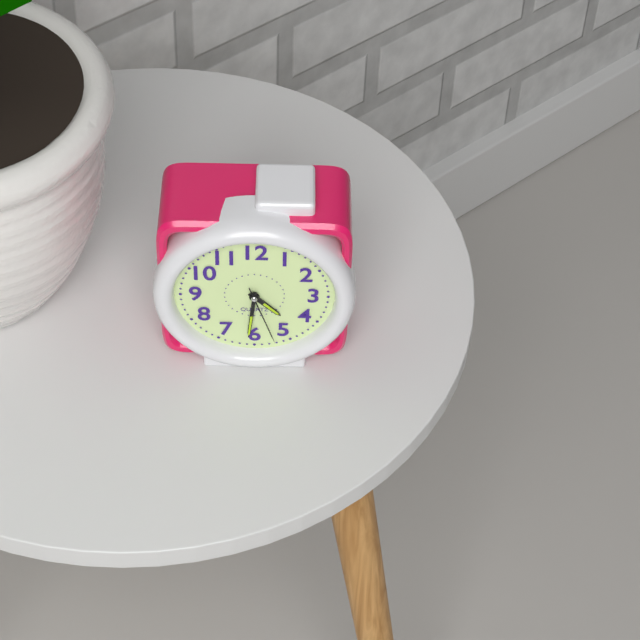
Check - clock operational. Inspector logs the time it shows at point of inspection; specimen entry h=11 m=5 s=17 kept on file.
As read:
h=4 m=31 s=27
